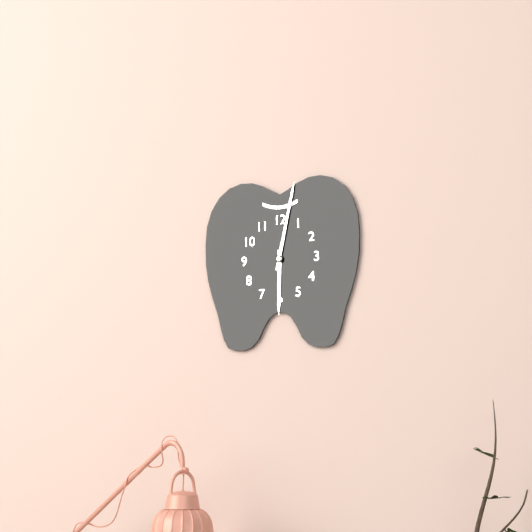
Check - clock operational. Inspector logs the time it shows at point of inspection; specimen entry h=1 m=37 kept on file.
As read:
h=6 m=2
